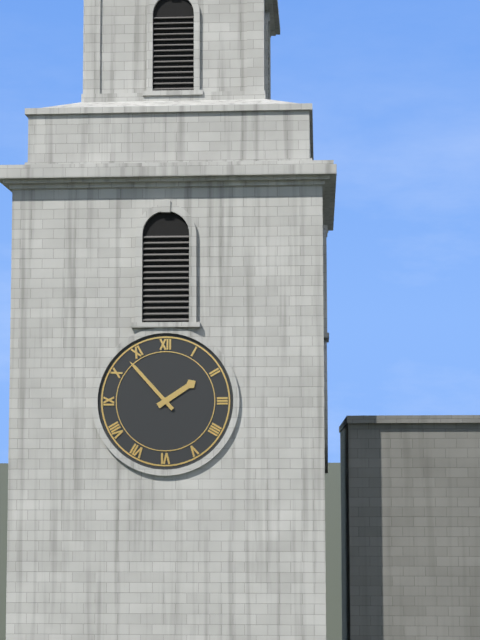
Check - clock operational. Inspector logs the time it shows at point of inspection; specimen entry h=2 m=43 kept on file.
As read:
h=1 m=53
